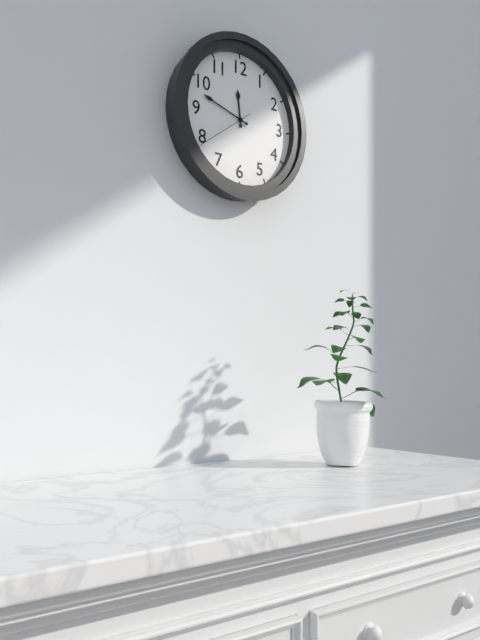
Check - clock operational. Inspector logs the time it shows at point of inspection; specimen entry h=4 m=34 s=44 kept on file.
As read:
h=11 m=48 s=39
